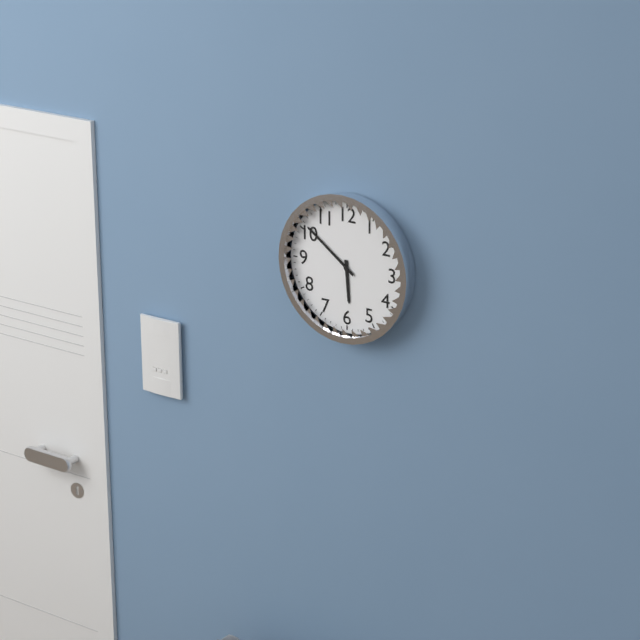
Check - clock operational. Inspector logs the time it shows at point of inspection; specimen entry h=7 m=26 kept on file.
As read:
h=5 m=51
